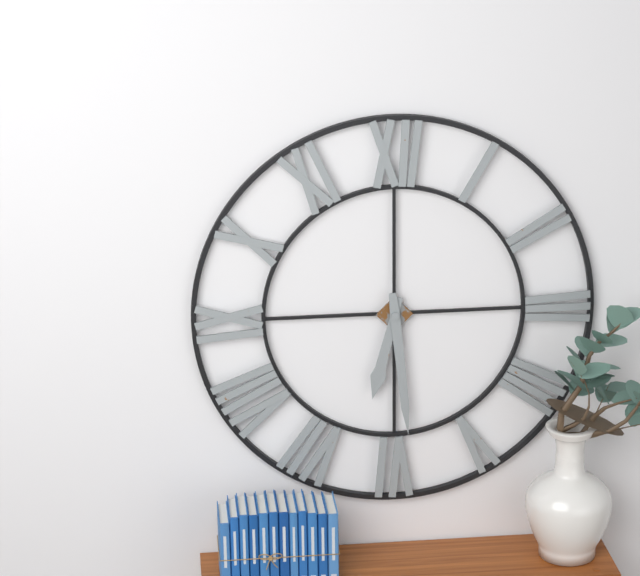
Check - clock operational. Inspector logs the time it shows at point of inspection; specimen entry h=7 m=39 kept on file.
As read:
h=6 m=29
